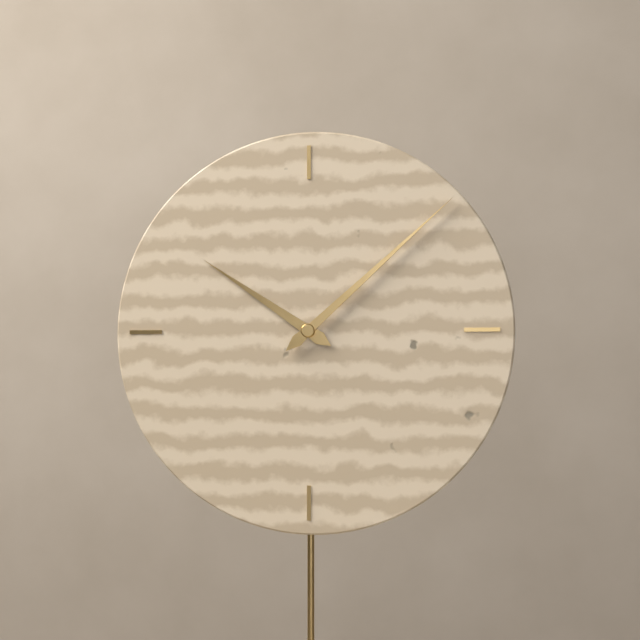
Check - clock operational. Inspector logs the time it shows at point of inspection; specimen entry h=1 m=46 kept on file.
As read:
h=10 m=8
